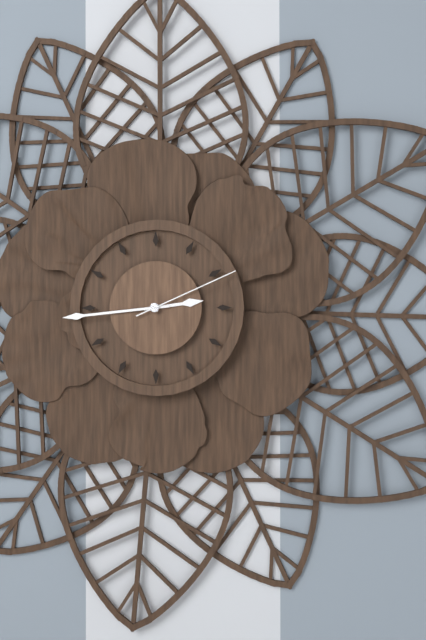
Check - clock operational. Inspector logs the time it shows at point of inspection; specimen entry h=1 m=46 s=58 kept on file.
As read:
h=2 m=44 s=11
